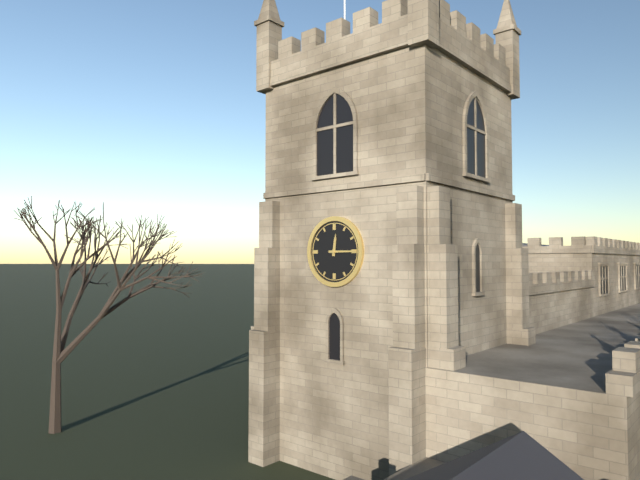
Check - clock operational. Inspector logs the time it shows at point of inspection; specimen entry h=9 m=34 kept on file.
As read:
h=12 m=15
